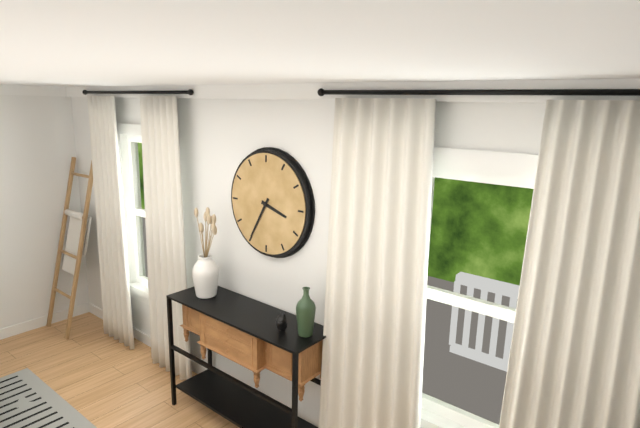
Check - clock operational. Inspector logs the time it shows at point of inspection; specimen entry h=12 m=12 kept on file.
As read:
h=3 m=35
